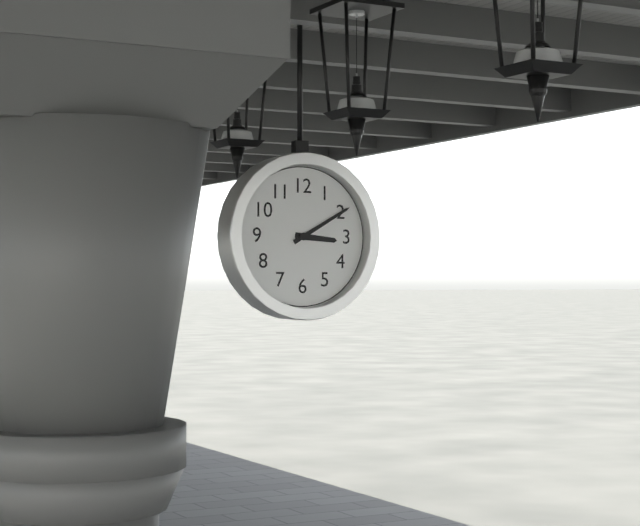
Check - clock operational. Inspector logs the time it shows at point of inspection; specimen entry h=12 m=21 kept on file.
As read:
h=3 m=10
